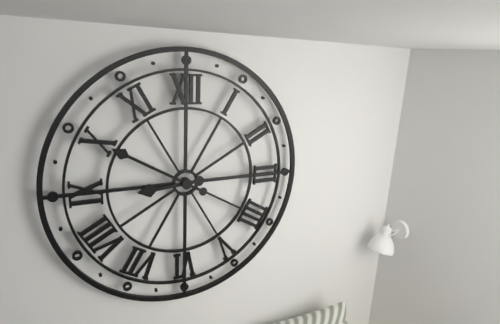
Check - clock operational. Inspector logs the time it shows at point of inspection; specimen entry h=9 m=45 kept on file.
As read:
h=8 m=50
